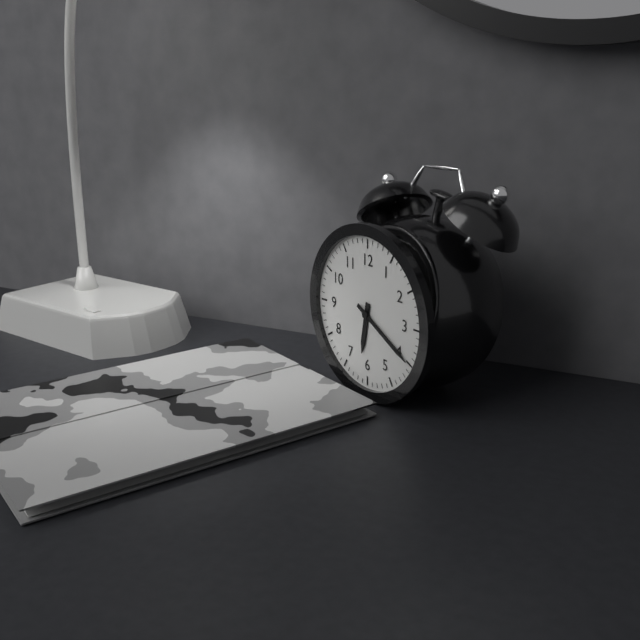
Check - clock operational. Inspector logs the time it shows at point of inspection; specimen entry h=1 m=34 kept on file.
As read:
h=6 m=20
